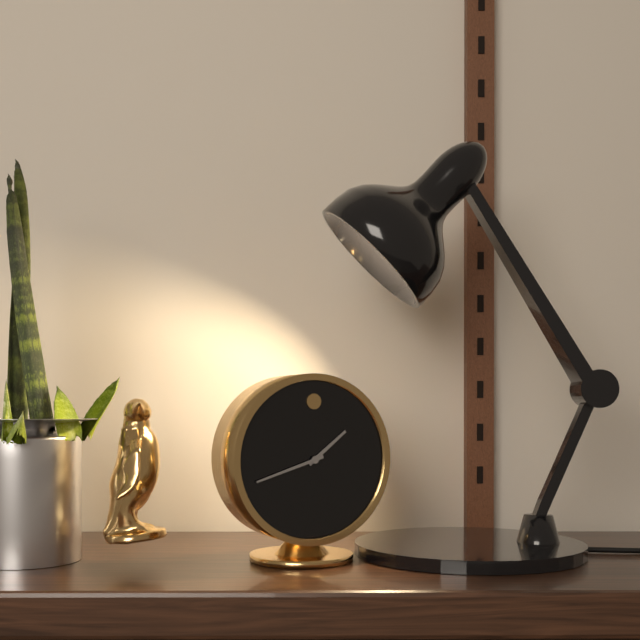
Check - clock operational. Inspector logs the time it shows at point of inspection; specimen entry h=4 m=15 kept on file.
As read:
h=1 m=42
